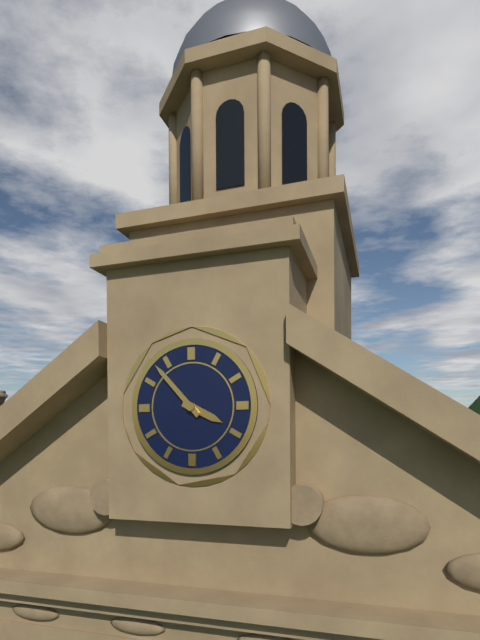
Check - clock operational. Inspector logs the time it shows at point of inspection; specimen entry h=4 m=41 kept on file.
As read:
h=3 m=53
